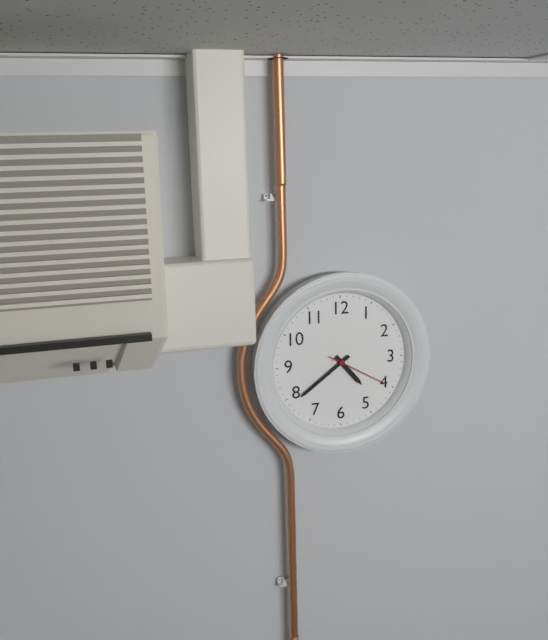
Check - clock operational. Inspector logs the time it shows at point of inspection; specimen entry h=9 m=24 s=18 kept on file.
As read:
h=4 m=39 s=20
